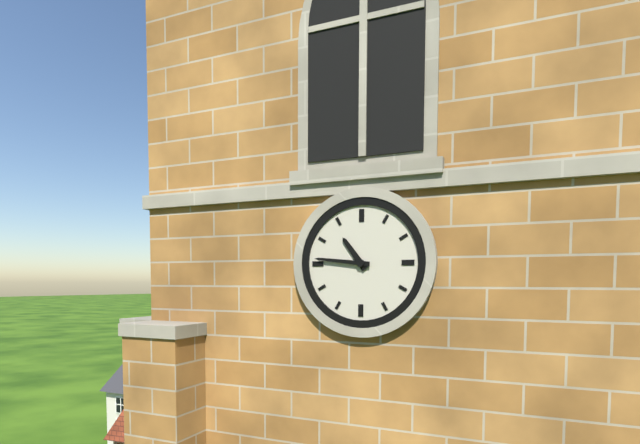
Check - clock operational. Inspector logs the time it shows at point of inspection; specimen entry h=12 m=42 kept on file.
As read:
h=10 m=46
